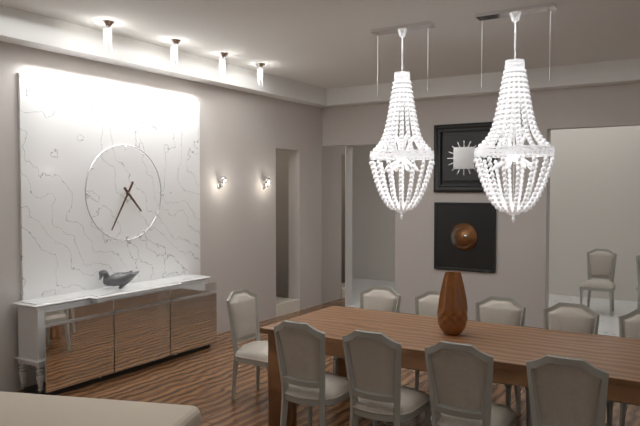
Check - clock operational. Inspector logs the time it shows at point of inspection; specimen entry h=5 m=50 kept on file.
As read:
h=4 m=35
